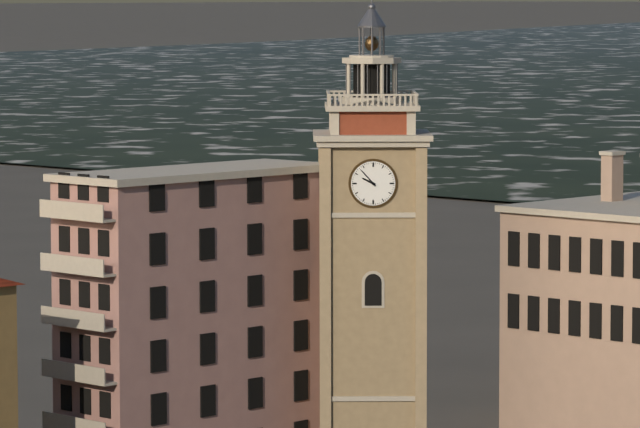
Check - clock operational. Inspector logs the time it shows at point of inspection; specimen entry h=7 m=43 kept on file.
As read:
h=9 m=53
